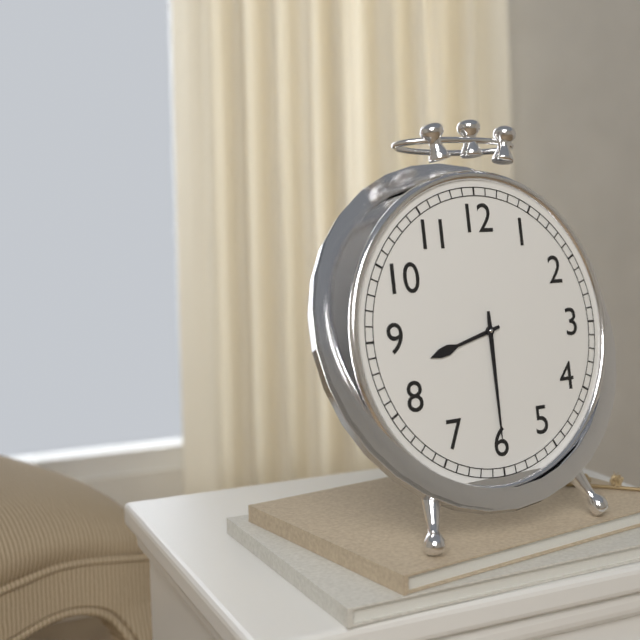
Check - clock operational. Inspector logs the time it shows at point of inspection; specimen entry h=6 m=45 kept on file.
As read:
h=8 m=30
